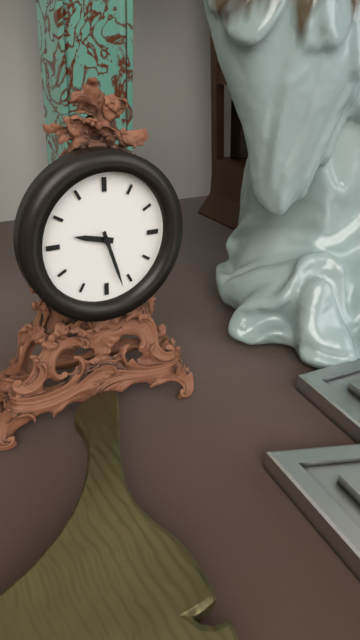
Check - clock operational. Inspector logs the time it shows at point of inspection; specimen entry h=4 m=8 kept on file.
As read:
h=9 m=27
